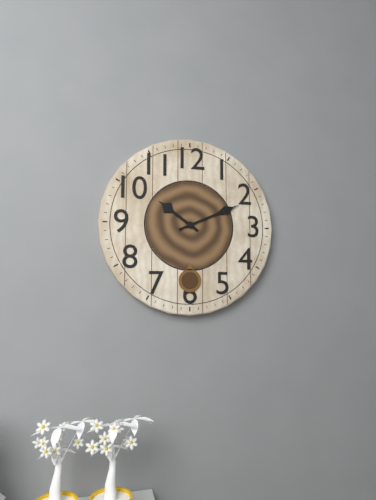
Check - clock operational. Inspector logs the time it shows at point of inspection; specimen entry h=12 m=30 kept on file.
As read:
h=10 m=11
